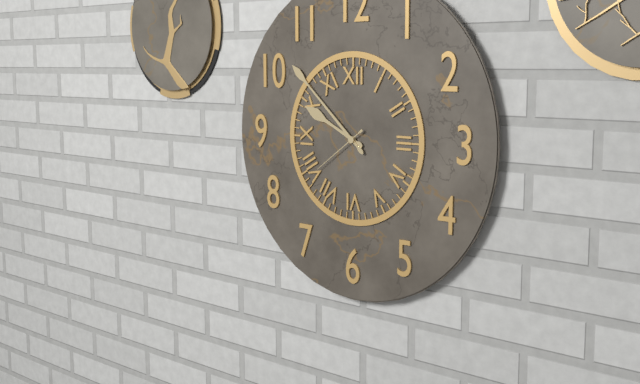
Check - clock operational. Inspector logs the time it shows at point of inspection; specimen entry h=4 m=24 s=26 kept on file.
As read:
h=9 m=52 s=39
